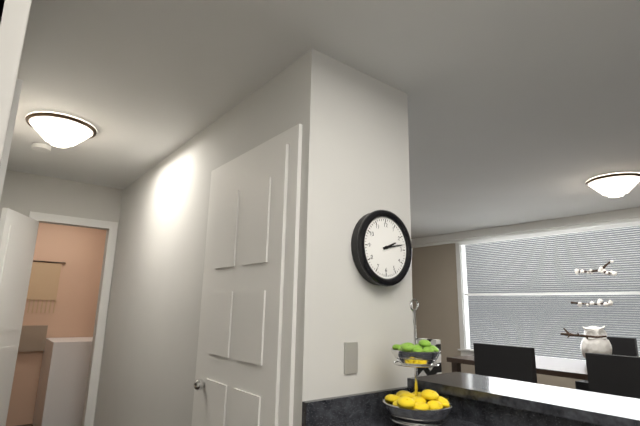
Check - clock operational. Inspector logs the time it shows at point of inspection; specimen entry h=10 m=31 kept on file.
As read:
h=2 m=13
